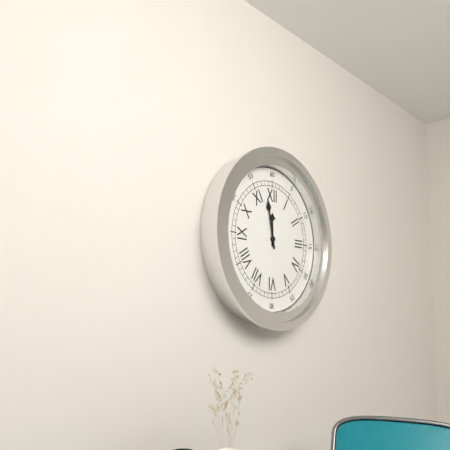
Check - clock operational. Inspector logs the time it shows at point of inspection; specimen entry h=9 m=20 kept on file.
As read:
h=11 m=58
